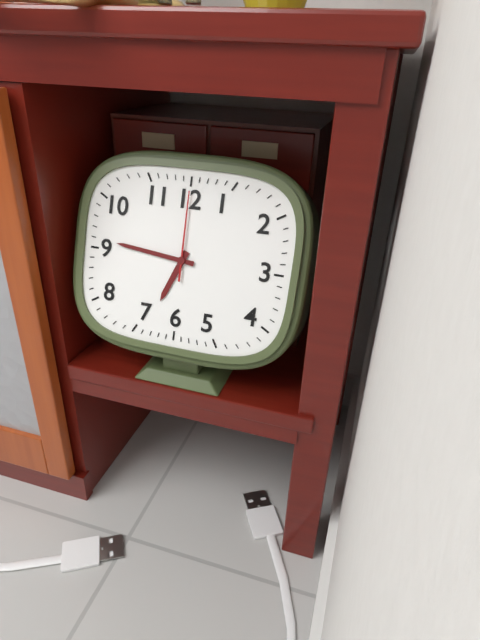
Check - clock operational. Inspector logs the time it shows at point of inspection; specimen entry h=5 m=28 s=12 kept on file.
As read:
h=6 m=46 s=0
